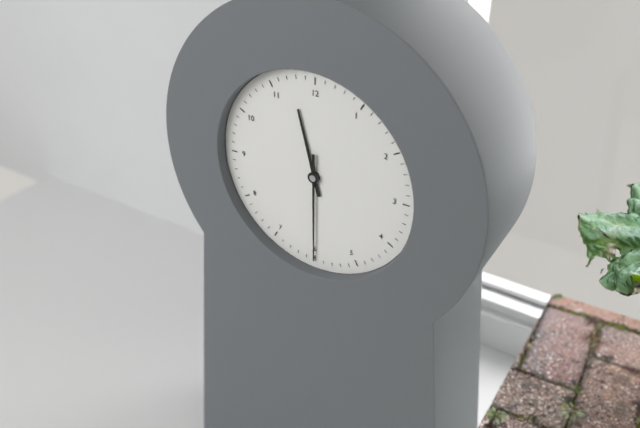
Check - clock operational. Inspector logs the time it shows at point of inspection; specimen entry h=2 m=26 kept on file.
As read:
h=11 m=30
